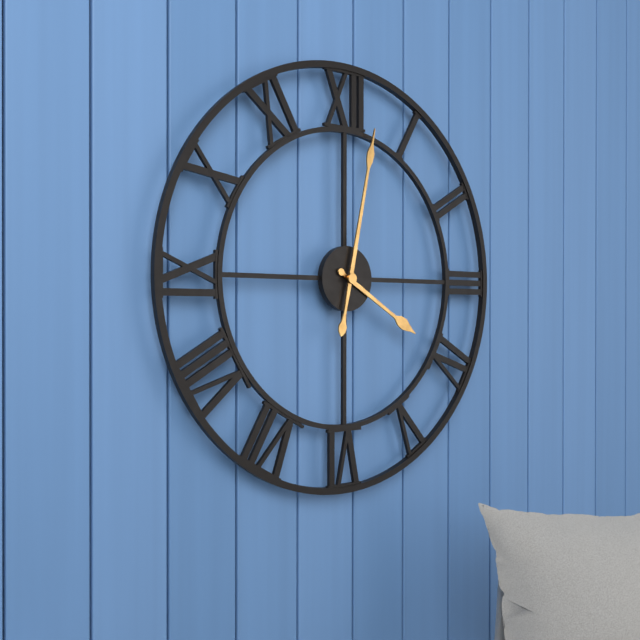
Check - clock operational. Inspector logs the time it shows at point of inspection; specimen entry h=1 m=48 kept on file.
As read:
h=4 m=2
